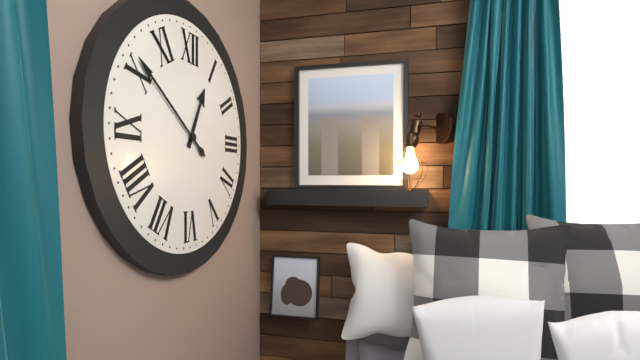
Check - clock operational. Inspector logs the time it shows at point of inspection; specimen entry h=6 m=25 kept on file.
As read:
h=12 m=51
